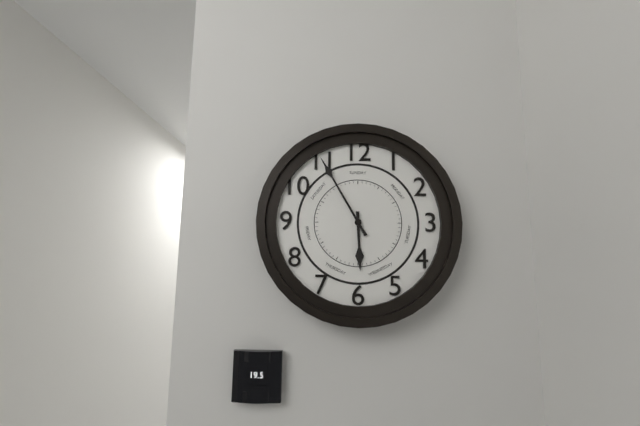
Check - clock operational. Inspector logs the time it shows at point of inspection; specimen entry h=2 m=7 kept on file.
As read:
h=5 m=55
